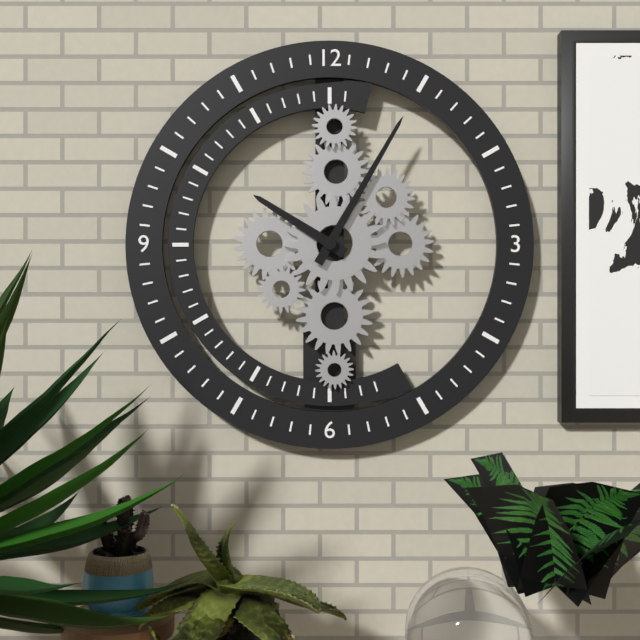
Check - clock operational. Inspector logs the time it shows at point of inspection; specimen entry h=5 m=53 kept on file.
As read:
h=10 m=5
